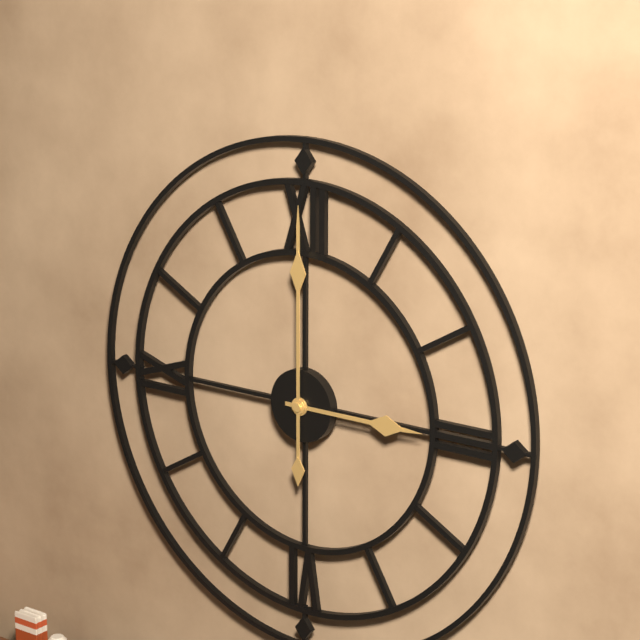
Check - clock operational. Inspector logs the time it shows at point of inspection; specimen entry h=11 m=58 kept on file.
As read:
h=3 m=0
